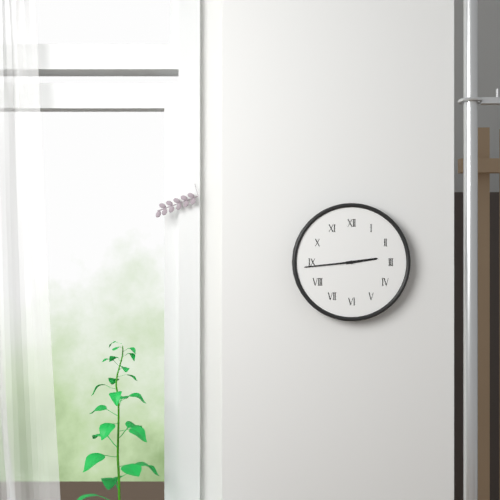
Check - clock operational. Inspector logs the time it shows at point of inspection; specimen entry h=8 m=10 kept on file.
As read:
h=2 m=44
